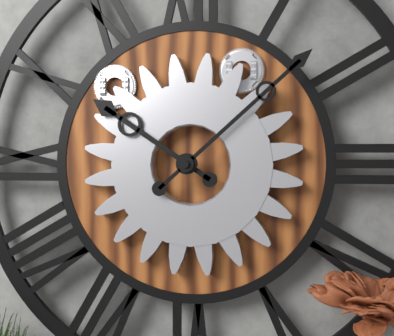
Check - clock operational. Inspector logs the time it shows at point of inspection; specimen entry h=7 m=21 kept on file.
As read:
h=10 m=8
